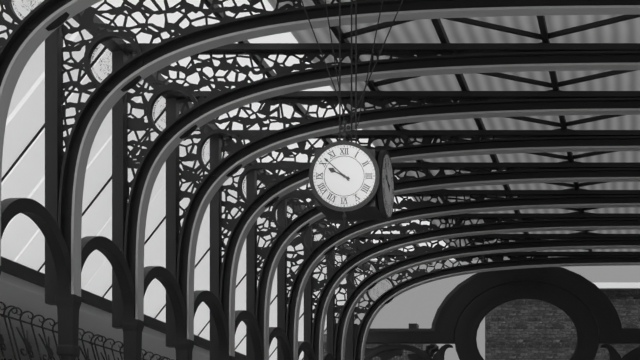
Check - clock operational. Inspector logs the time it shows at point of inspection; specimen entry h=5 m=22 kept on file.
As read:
h=9 m=52
